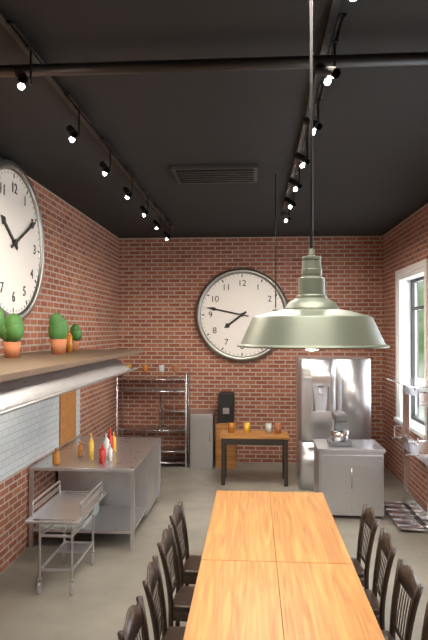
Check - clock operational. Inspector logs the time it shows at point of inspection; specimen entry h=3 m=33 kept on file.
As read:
h=7 m=47
